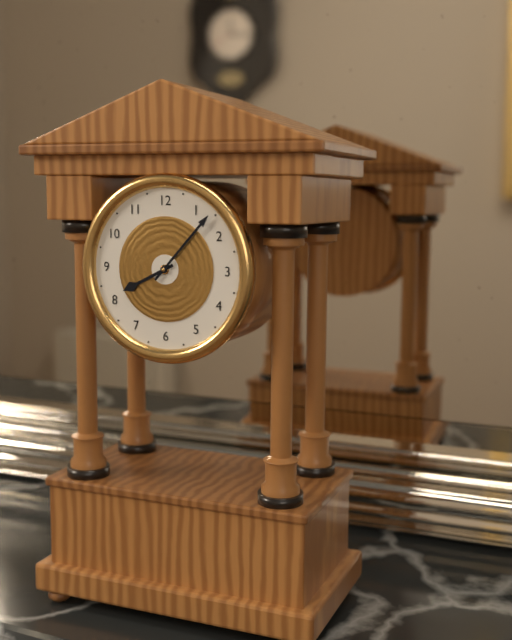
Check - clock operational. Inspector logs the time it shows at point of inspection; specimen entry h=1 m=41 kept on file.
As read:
h=8 m=7
